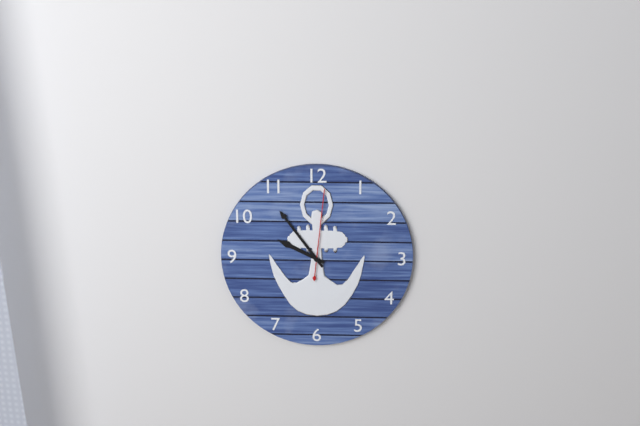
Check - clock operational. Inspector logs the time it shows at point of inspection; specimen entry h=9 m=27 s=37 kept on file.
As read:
h=9 m=54 s=1
